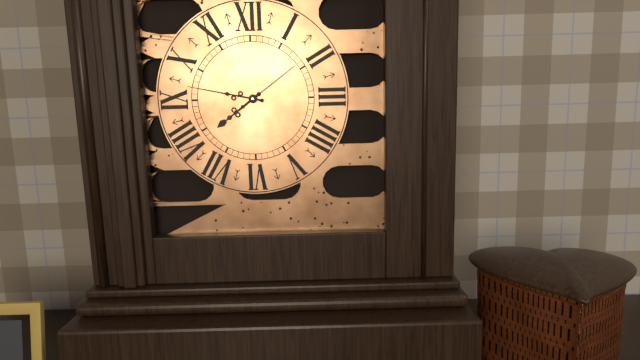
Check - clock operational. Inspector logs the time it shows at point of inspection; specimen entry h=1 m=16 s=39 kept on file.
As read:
h=7 m=47 s=9
